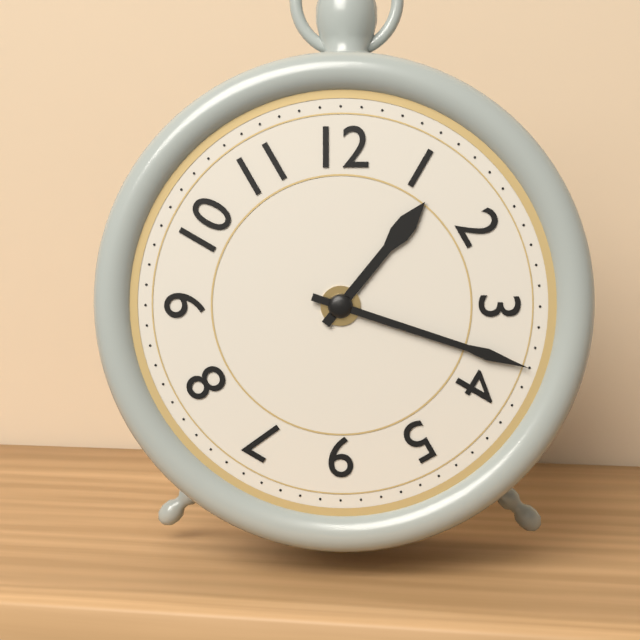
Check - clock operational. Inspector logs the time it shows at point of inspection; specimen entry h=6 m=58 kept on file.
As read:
h=1 m=18
